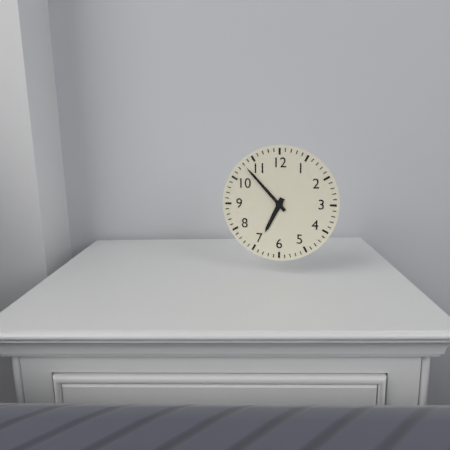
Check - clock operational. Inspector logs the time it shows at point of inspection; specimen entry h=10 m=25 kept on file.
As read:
h=6 m=53
